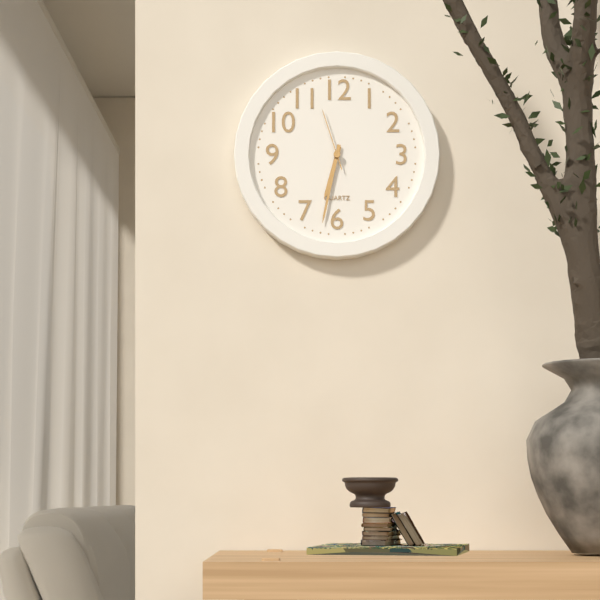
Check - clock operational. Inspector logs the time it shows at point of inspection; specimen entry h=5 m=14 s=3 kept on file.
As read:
h=6 m=32 s=57
